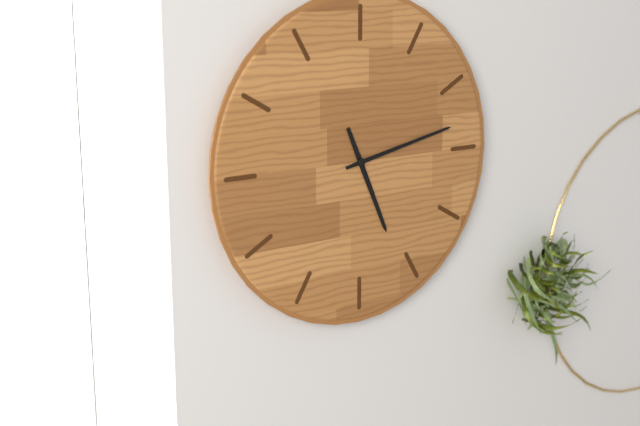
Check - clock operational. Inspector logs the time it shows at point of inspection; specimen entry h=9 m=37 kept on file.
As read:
h=5 m=13
